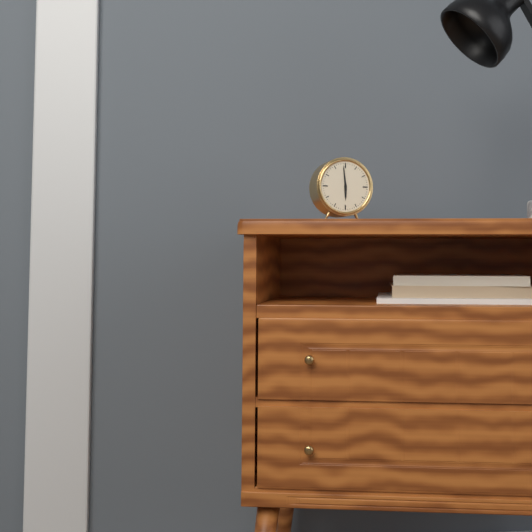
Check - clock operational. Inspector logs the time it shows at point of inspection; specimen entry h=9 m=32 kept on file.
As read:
h=5 m=59
